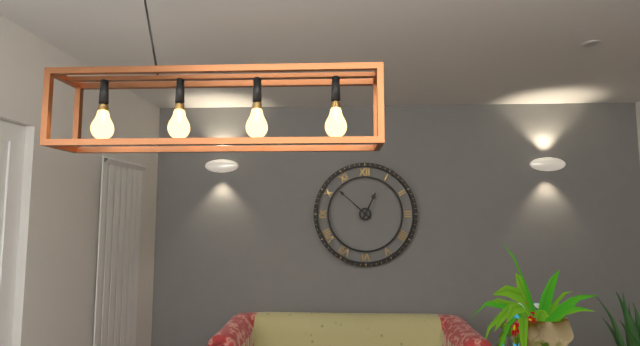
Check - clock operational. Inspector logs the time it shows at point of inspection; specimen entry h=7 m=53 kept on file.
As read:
h=12 m=52
